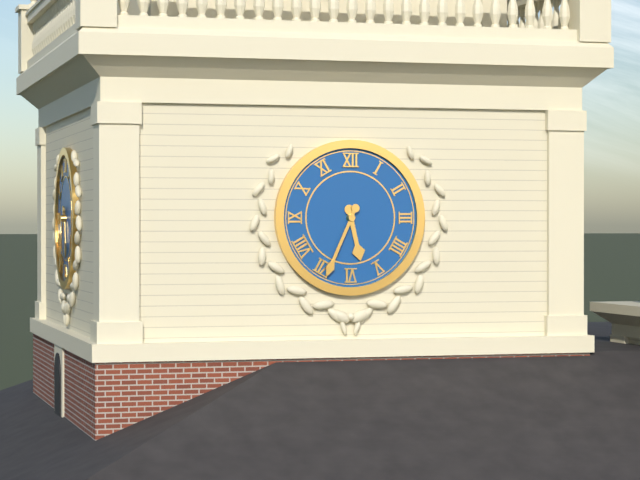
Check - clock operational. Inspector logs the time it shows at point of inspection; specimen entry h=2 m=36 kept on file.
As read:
h=5 m=34
